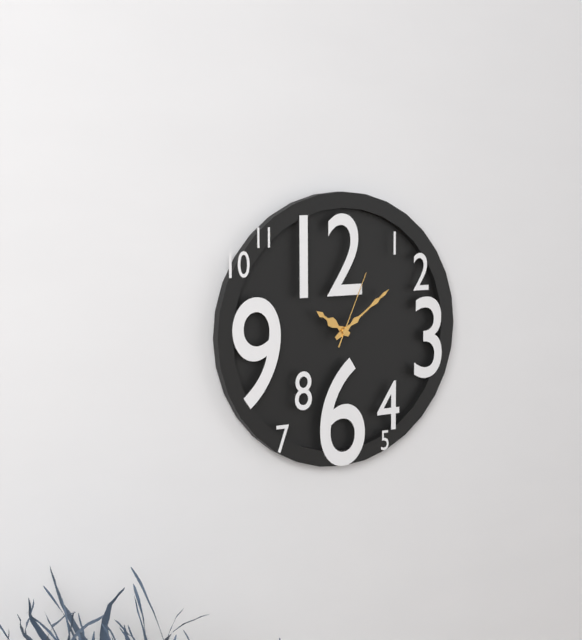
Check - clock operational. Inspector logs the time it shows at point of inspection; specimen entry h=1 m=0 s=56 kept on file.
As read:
h=10 m=9 s=4
